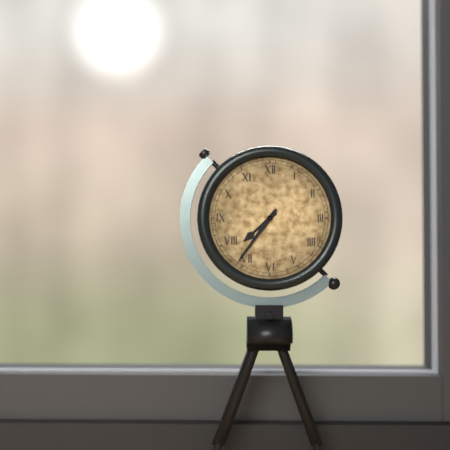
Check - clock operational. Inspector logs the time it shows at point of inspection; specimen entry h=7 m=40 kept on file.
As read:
h=7 m=36
